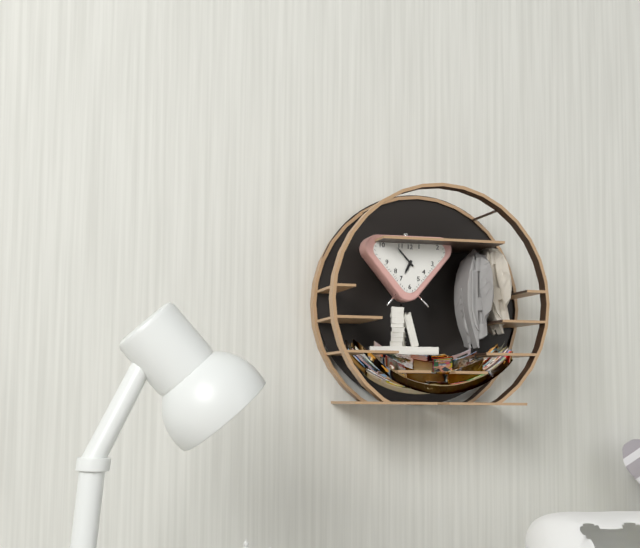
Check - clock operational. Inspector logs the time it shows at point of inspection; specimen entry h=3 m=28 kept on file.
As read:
h=6 m=53
